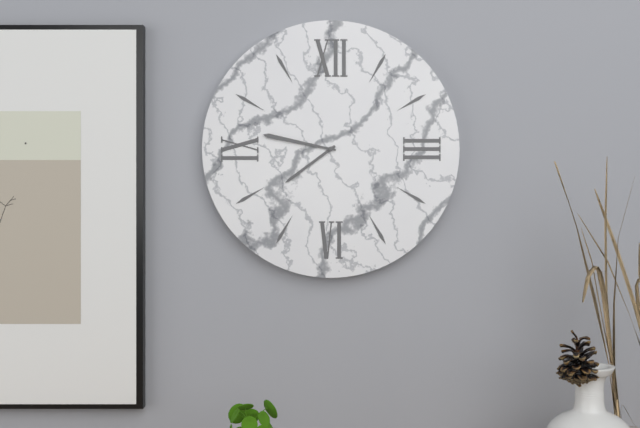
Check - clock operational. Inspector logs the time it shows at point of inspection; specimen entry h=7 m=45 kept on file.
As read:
h=7 m=47
